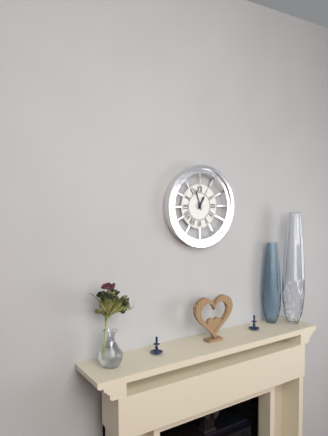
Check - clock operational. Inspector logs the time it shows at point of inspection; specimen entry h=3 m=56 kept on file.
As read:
h=12 m=57
